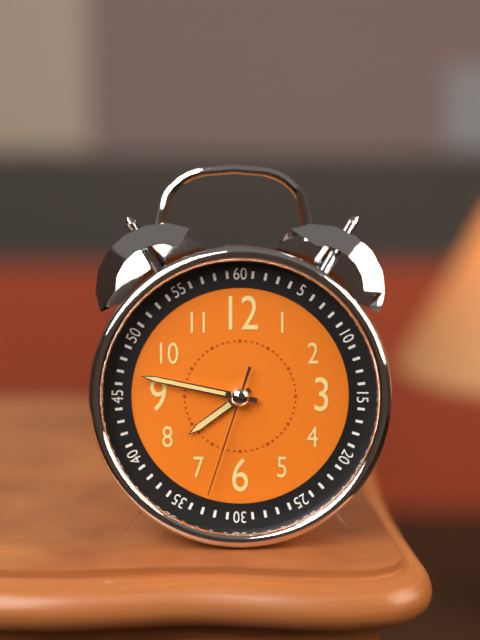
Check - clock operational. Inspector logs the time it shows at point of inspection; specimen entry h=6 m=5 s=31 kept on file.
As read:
h=7 m=47 s=33
